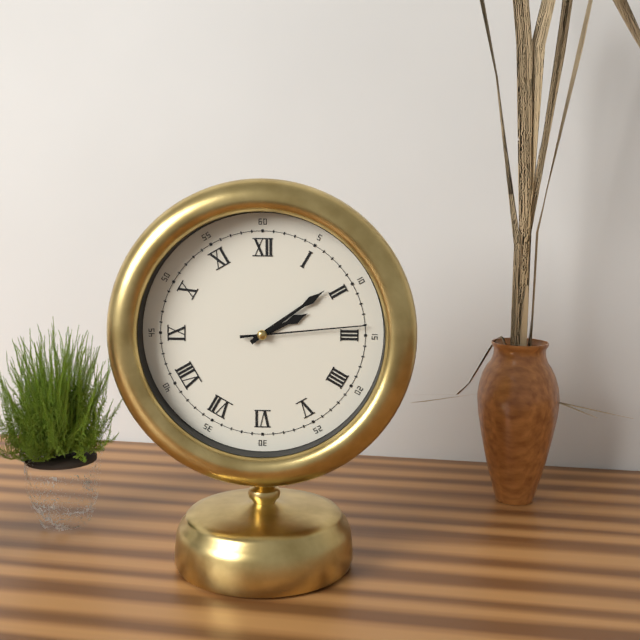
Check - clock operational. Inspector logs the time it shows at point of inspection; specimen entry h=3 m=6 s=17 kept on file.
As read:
h=2 m=9 s=14
